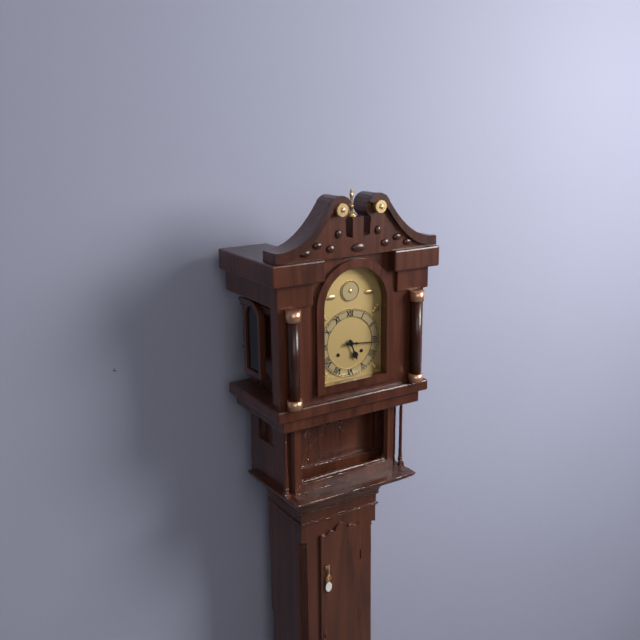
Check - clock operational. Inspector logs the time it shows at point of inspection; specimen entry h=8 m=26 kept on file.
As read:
h=5 m=16
